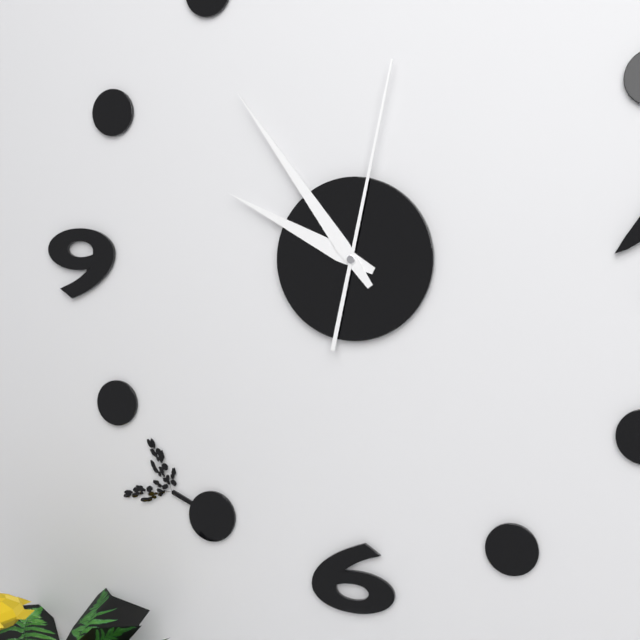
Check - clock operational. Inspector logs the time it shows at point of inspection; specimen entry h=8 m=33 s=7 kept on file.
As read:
h=9 m=54 s=2
